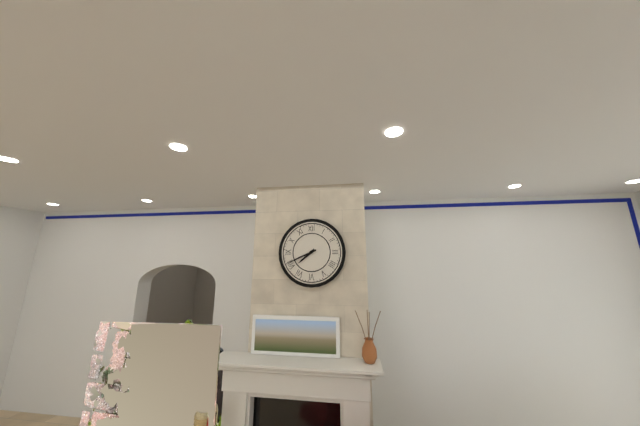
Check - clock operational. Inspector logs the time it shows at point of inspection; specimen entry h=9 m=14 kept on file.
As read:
h=7 m=41
